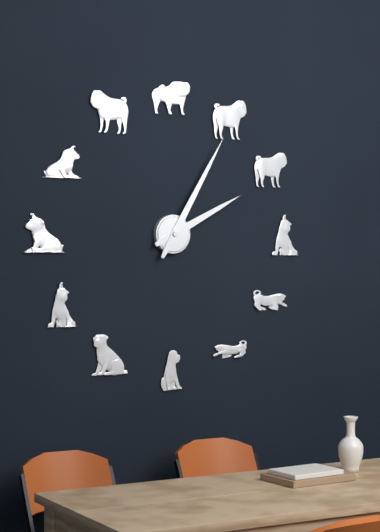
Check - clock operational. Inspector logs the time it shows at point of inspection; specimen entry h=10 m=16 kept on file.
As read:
h=2 m=5
